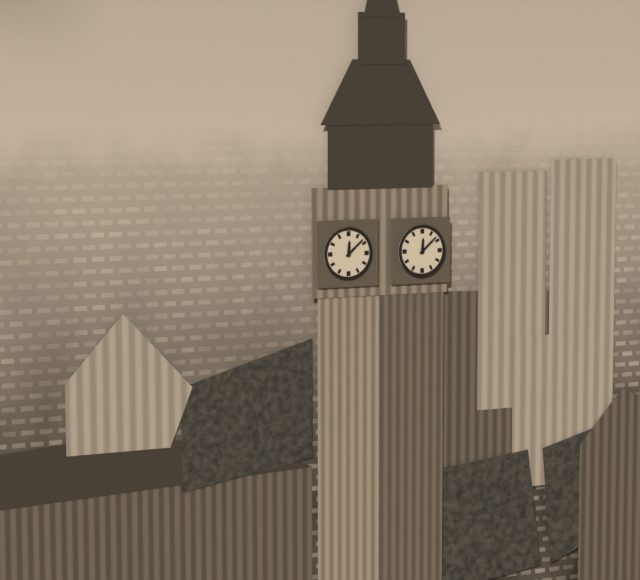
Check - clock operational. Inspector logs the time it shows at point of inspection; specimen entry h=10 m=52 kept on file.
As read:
h=12 m=8
